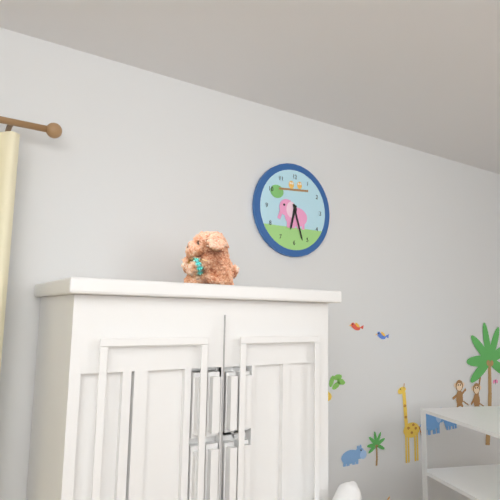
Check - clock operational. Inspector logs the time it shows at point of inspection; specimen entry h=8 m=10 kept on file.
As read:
h=6 m=27
